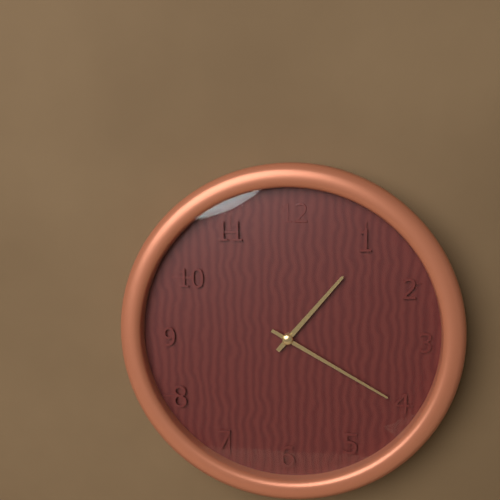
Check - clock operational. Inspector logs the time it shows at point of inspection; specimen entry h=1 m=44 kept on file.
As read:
h=1 m=20
